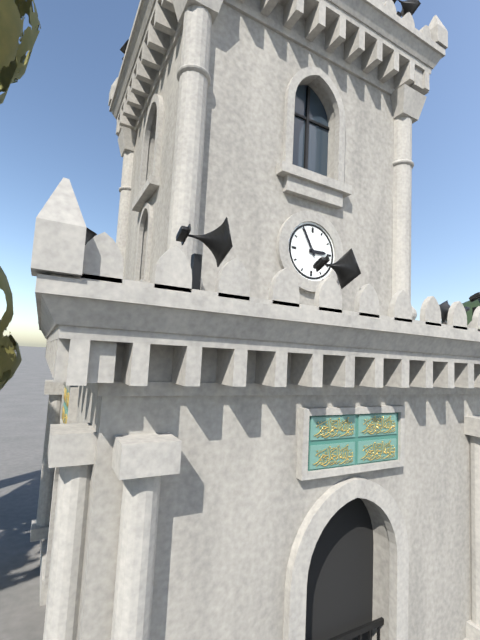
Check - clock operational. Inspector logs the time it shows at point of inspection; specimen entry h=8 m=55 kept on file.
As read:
h=2 m=55
